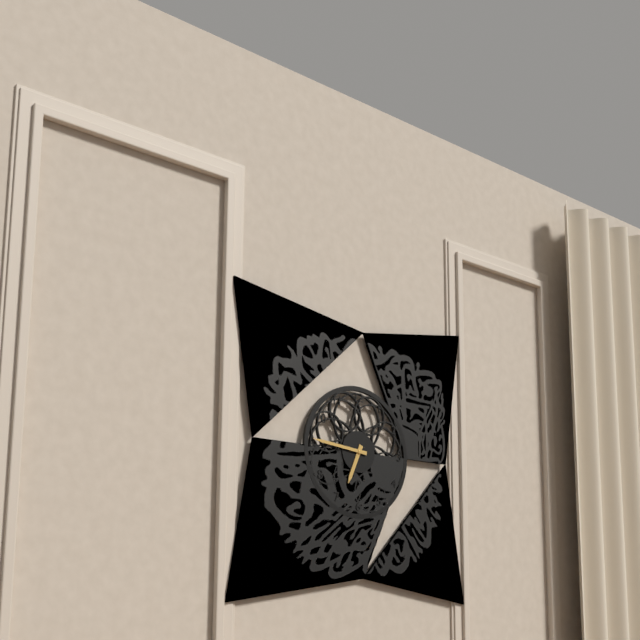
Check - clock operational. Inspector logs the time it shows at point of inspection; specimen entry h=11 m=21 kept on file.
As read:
h=6 m=46
